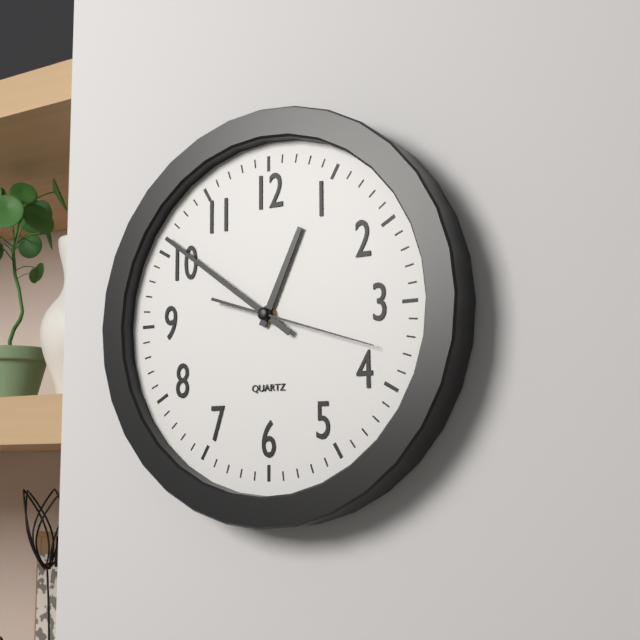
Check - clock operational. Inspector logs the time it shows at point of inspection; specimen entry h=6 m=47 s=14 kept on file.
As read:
h=12 m=51 s=18
